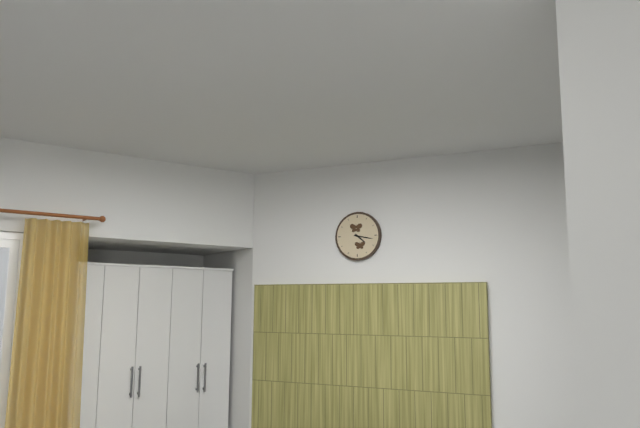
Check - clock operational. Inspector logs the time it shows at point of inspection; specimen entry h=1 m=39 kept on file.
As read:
h=4 m=17
